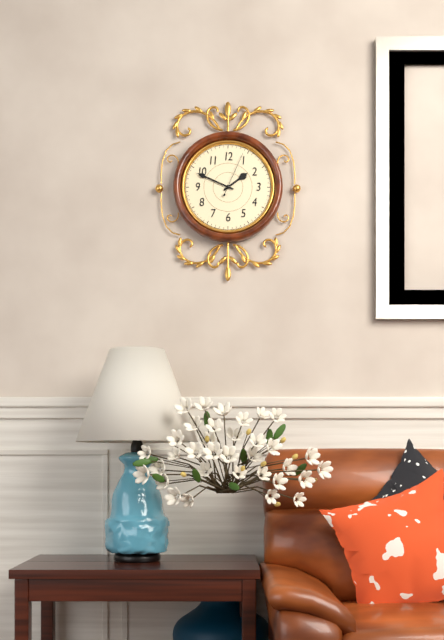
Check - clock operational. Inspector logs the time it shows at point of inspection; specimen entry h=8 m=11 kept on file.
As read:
h=1 m=49
